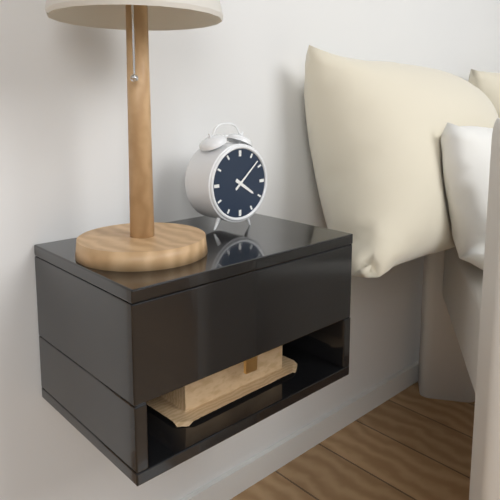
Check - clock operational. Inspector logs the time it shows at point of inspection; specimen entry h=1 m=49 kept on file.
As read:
h=4 m=8
